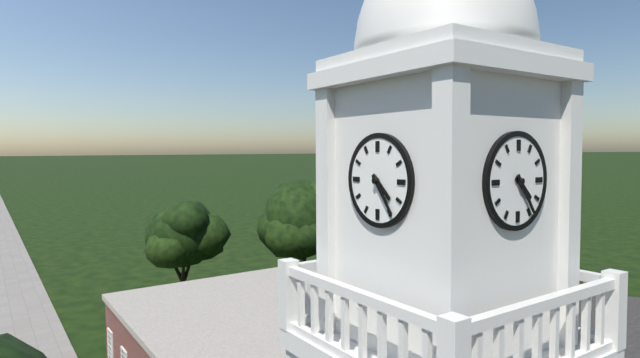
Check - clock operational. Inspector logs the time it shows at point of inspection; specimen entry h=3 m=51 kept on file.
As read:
h=4 m=24
